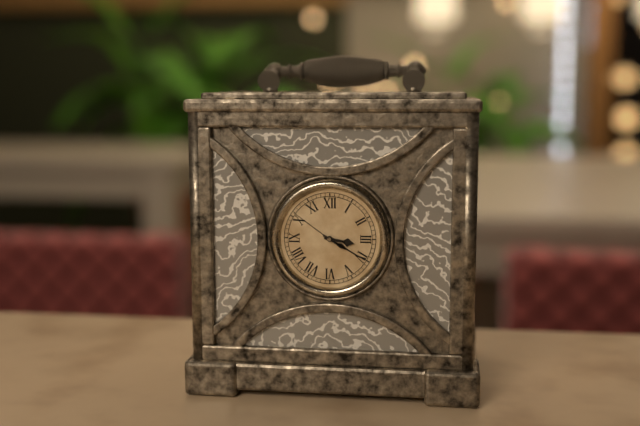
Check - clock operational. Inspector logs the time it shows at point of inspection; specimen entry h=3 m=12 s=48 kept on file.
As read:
h=3 m=20 s=51
